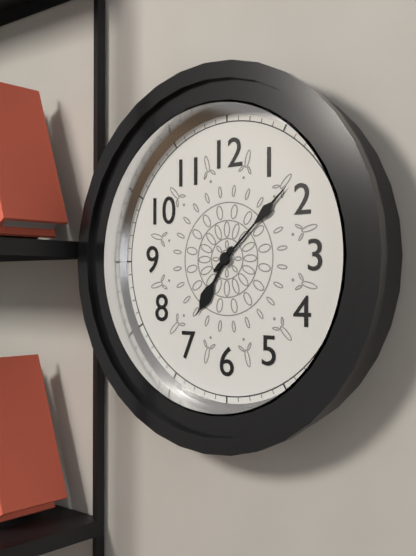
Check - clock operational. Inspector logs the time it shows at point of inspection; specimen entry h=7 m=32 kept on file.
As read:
h=7 m=8
